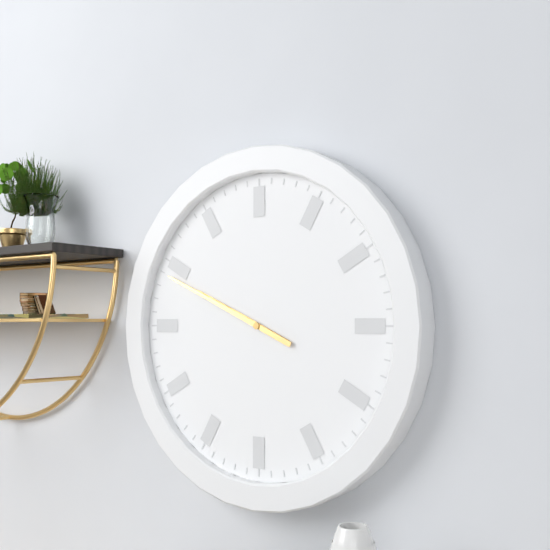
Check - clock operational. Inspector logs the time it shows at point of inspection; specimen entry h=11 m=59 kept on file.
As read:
h=9 m=49
